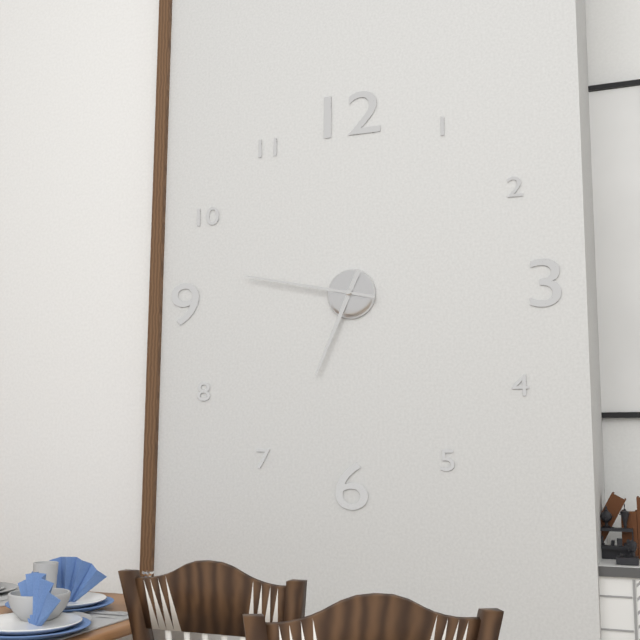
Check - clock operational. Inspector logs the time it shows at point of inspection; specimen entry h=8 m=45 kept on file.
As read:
h=6 m=47
